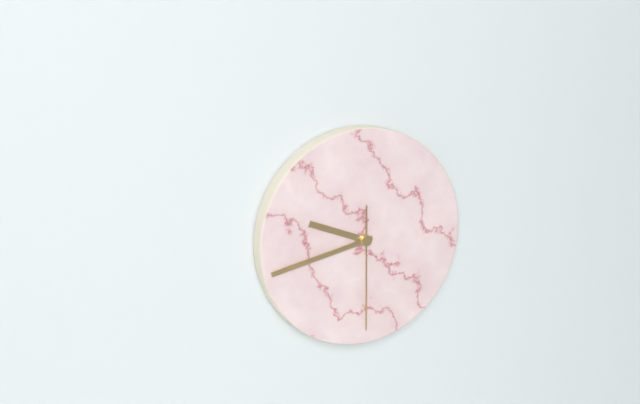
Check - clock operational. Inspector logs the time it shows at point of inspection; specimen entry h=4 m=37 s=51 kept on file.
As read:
h=9 m=43 s=30
